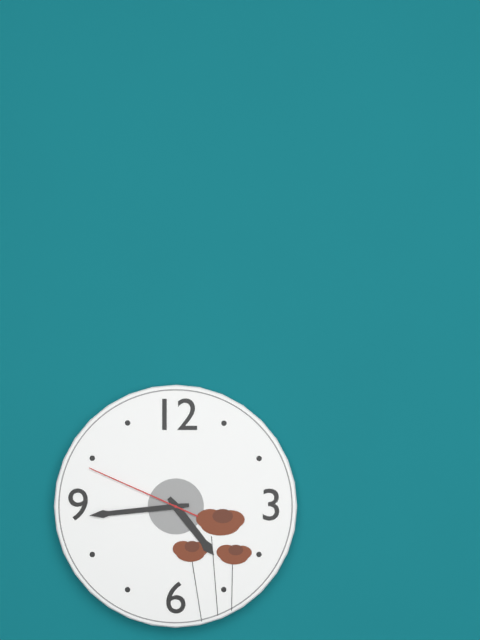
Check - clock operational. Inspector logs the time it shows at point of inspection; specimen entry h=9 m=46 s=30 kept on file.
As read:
h=4 m=44 s=49
